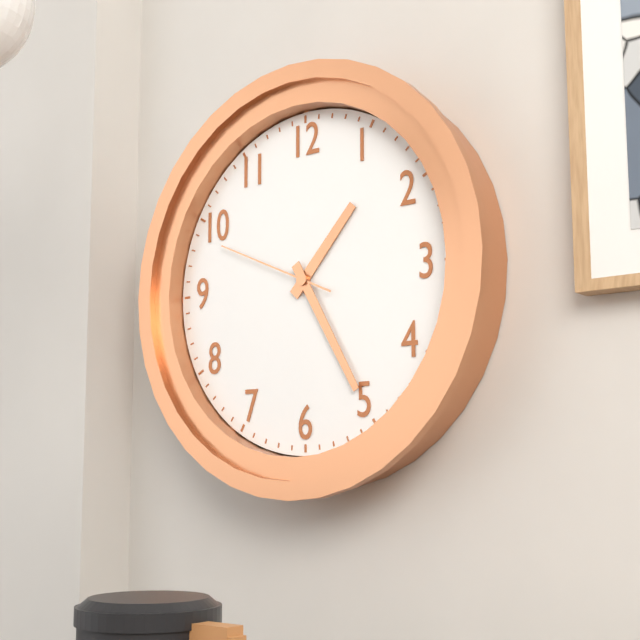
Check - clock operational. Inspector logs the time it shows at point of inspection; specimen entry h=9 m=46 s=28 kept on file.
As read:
h=1 m=25 s=49
